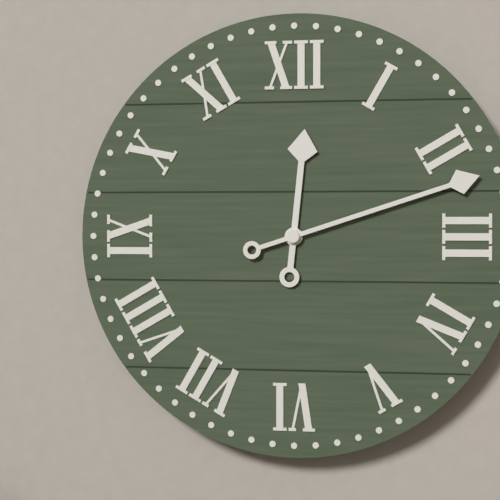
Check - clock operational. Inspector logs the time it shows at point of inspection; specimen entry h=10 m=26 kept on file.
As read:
h=12 m=12
